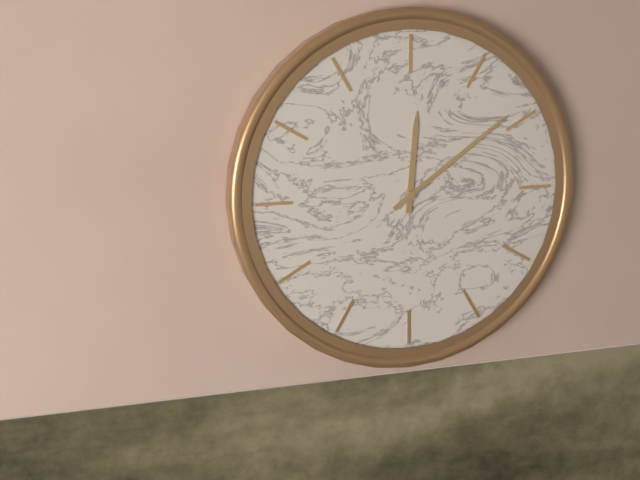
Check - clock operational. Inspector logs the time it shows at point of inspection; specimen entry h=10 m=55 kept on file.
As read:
h=12 m=9
